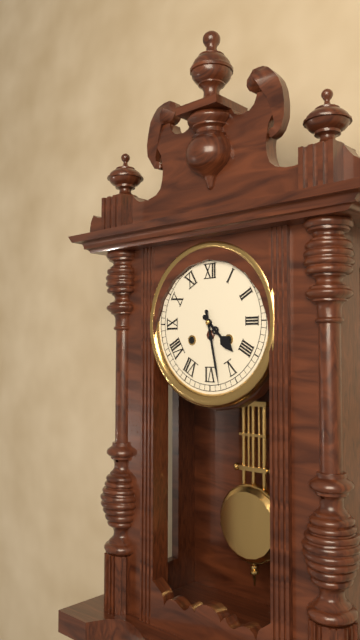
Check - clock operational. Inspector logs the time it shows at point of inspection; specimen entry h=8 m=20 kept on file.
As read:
h=4 m=28
